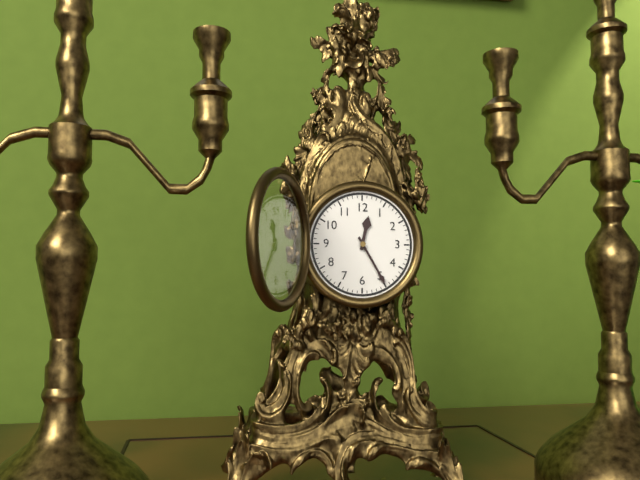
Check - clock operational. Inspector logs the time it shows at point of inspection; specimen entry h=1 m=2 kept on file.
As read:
h=12 m=25
